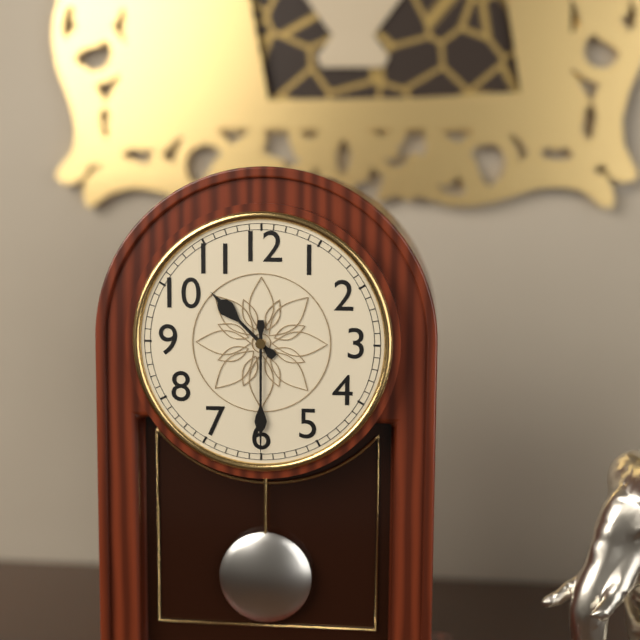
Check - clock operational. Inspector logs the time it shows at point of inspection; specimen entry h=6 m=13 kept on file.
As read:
h=10 m=30
